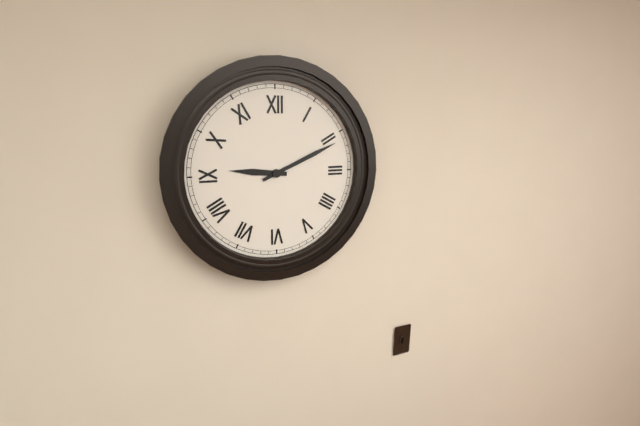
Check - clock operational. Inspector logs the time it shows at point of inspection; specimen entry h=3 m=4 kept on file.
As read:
h=9 m=11
